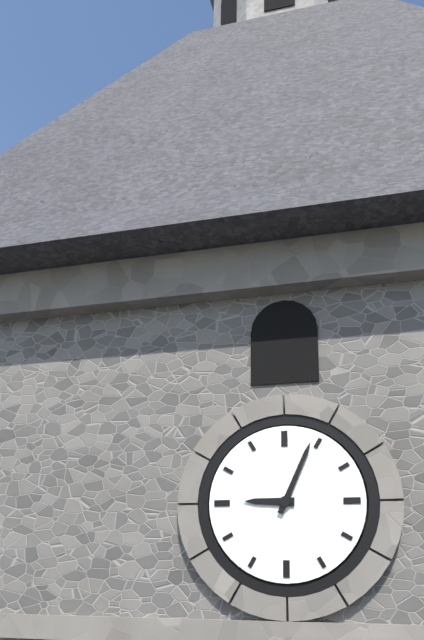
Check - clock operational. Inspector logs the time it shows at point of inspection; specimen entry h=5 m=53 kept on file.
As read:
h=9 m=4
